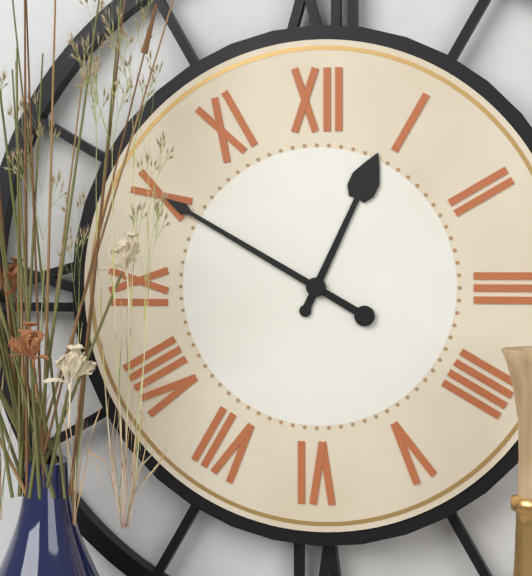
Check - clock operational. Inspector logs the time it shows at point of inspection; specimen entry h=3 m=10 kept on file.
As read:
h=12 m=50
